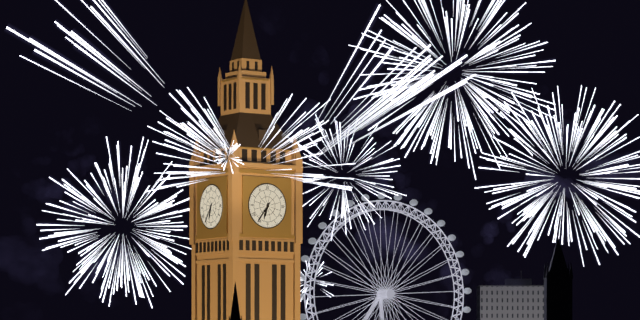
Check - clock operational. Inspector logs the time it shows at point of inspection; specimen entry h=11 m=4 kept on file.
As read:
h=6 m=36
